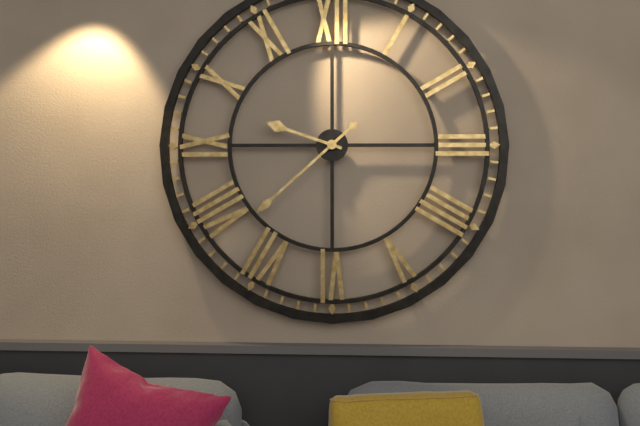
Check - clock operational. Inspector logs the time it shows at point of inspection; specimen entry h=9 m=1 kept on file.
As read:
h=9 m=38
